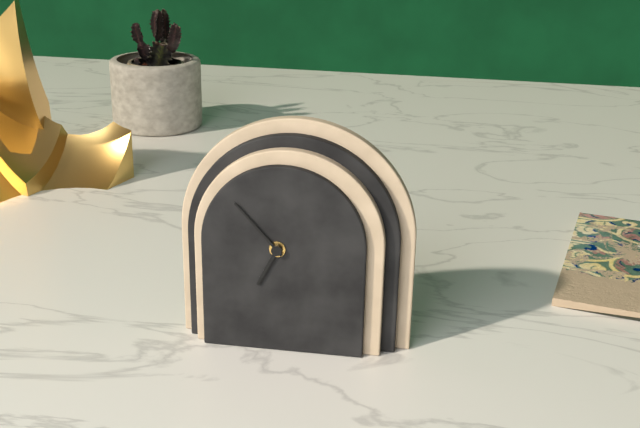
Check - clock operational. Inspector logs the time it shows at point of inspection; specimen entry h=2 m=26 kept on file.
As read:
h=6 m=53
